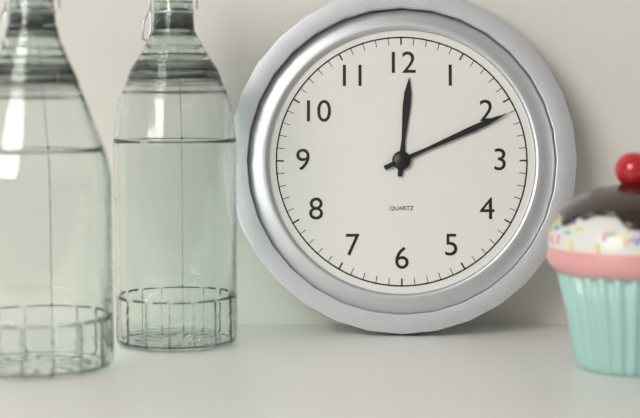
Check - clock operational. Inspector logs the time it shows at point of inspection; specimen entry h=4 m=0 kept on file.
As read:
h=12 m=11
